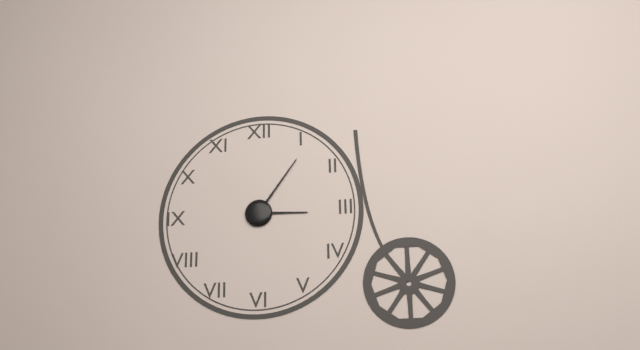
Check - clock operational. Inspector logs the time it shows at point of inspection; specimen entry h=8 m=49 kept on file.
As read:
h=3 m=6
